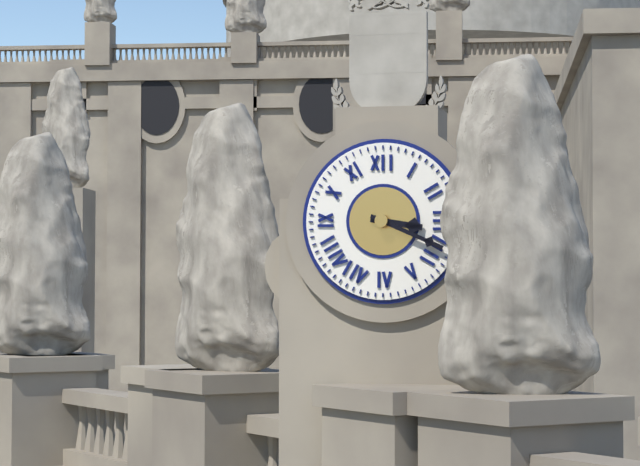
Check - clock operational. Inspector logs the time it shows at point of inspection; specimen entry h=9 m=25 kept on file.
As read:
h=3 m=19
